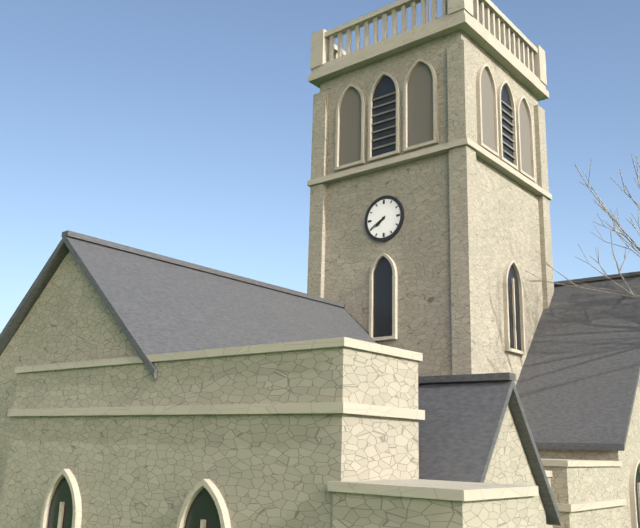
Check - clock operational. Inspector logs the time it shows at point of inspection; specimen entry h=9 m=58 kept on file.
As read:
h=7 m=40
